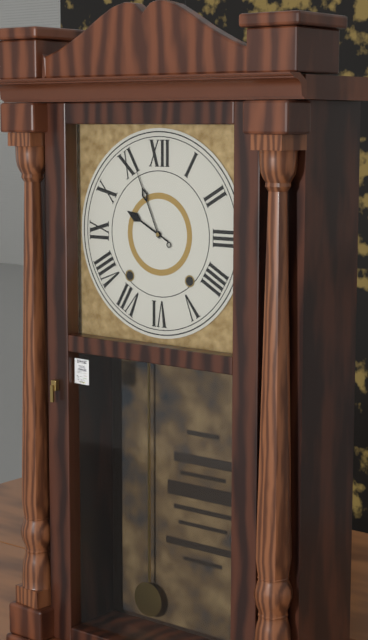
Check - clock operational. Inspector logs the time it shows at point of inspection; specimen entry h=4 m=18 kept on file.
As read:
h=9 m=56
